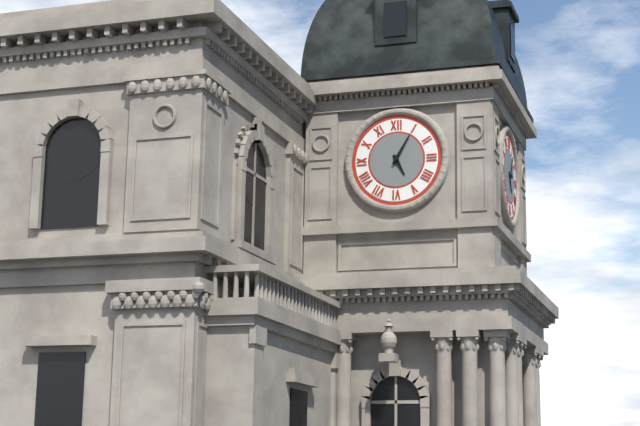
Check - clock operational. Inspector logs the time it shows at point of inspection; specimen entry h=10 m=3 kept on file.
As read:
h=5 m=5
